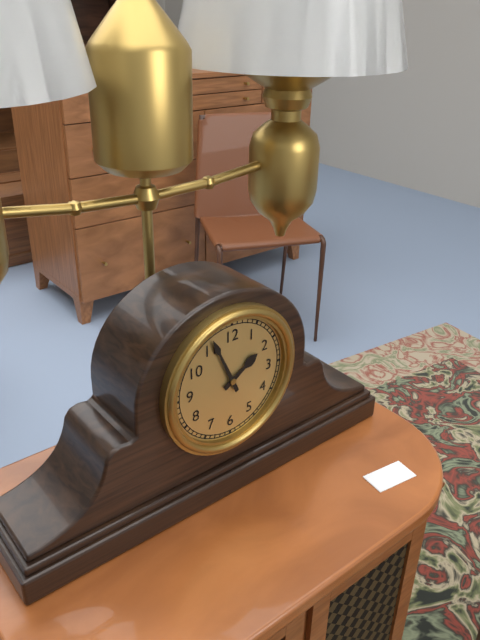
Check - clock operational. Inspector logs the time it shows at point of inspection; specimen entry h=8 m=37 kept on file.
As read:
h=1 m=56
